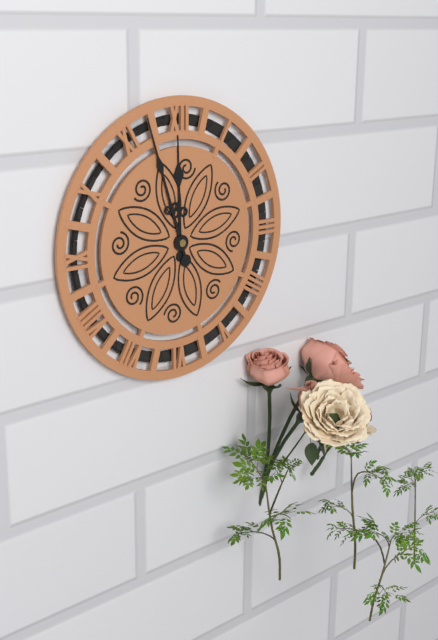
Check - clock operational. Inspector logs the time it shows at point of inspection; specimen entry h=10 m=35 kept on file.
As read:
h=11 m=57
